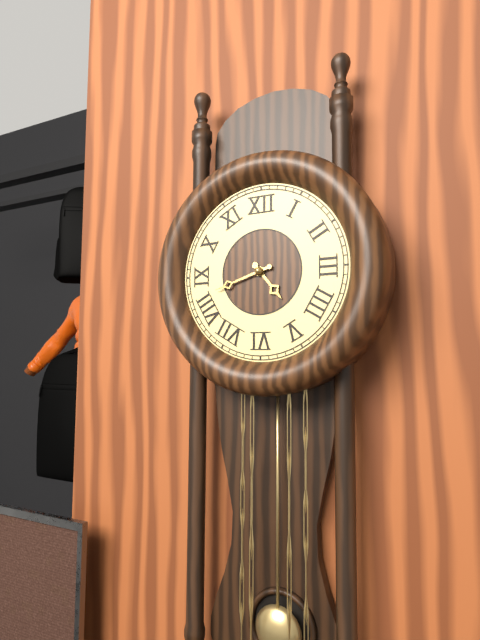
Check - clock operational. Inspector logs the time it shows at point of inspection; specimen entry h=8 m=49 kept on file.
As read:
h=4 m=42
